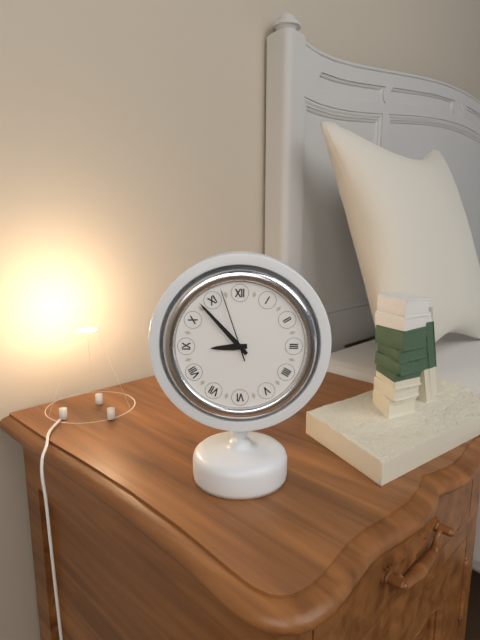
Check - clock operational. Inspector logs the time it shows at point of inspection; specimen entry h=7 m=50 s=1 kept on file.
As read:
h=8 m=53 s=57
